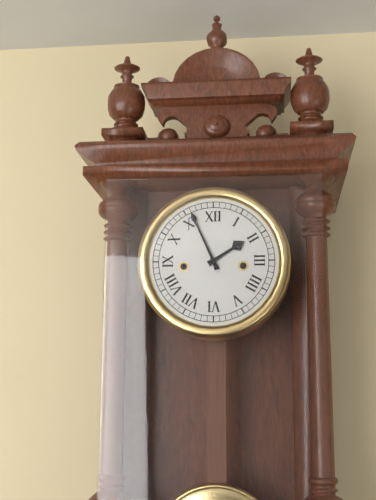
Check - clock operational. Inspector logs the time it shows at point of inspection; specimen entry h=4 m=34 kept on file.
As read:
h=1 m=56
